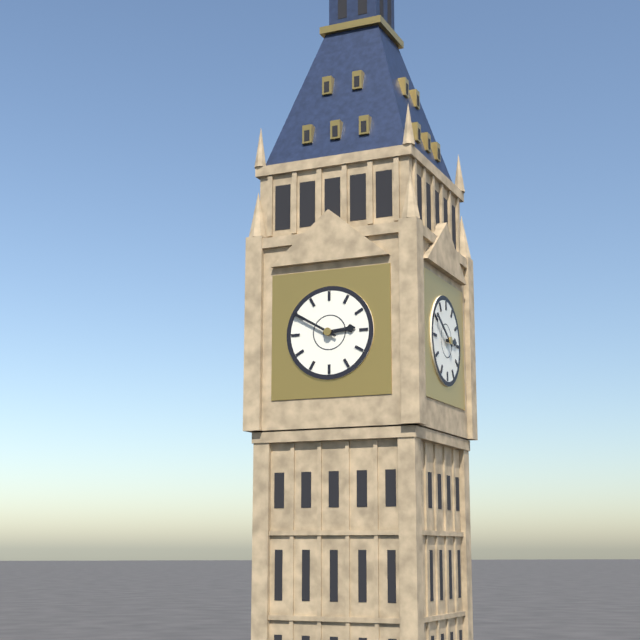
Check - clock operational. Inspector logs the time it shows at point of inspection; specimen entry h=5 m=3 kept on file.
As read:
h=2 m=50
